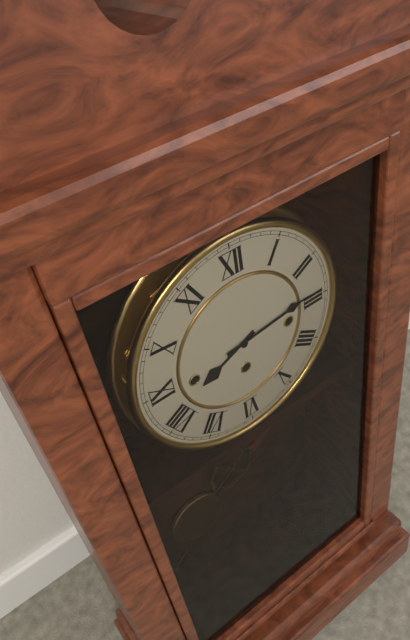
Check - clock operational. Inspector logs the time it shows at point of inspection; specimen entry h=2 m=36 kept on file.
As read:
h=8 m=14
